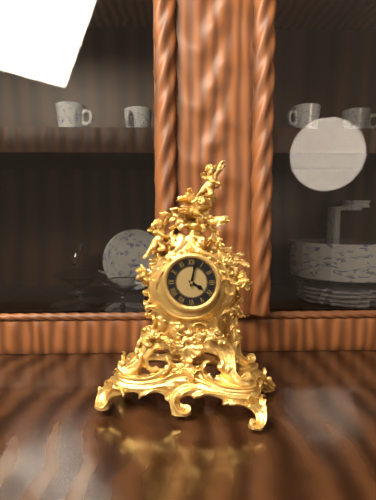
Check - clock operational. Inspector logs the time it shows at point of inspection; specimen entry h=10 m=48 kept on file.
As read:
h=4 m=2
